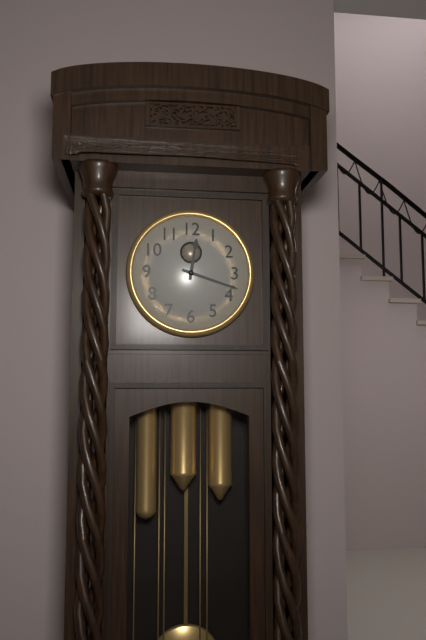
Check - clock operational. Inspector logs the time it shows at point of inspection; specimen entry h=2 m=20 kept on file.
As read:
h=12 m=18
